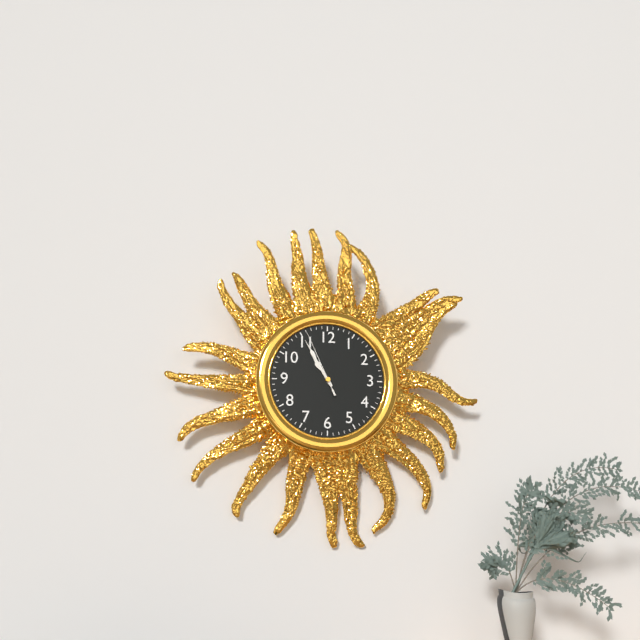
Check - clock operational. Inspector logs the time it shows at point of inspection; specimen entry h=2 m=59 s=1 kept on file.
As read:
h=10 m=55 s=56
